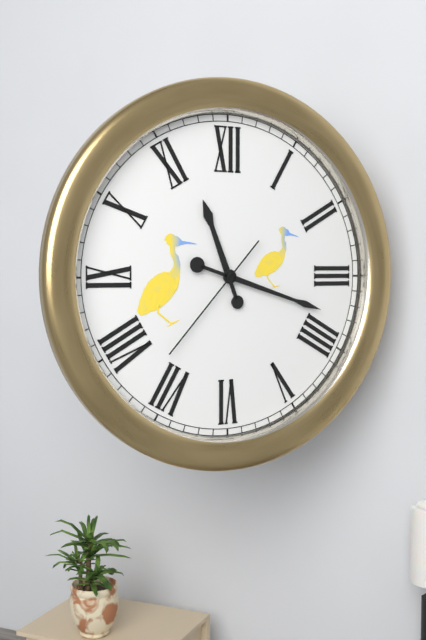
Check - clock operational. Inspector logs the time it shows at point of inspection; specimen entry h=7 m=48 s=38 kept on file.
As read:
h=11 m=18 s=37
